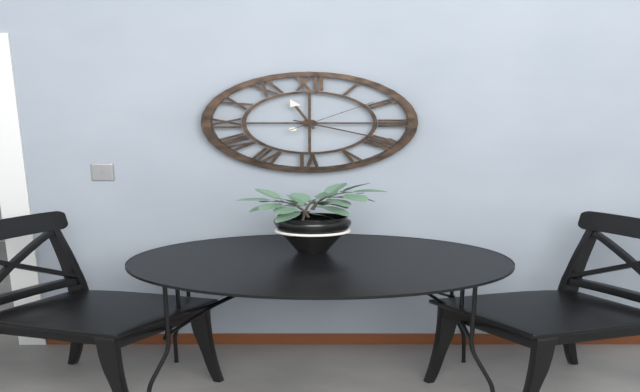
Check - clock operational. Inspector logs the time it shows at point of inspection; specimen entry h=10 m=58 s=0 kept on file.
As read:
h=11 m=19 s=9
